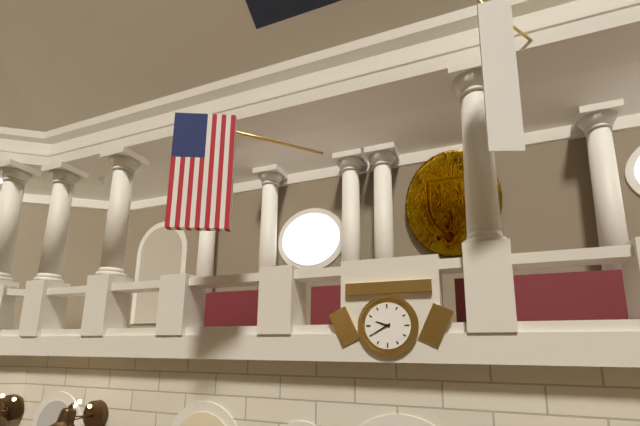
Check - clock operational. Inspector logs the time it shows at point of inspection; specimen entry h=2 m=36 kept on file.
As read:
h=9 m=40
